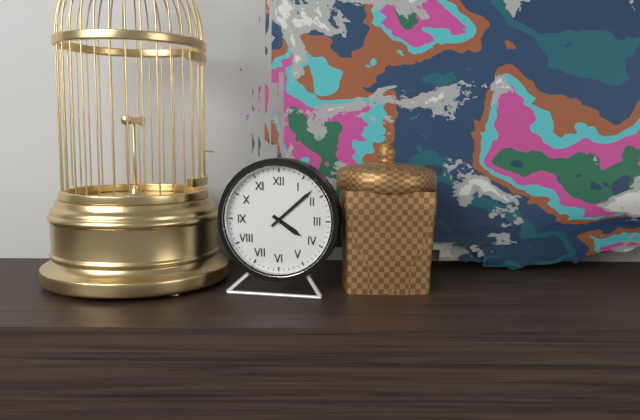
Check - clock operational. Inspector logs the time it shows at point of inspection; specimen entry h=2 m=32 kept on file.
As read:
h=4 m=8
